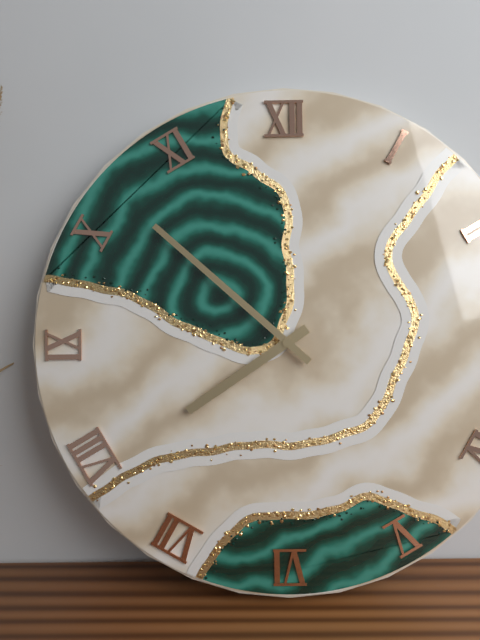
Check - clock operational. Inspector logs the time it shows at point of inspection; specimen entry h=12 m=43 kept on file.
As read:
h=7 m=52
